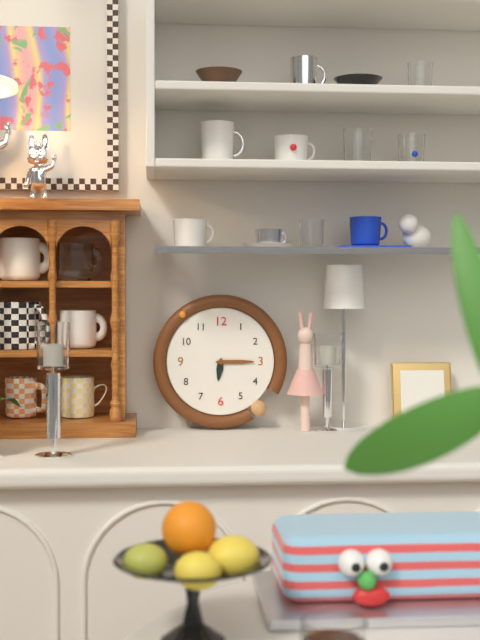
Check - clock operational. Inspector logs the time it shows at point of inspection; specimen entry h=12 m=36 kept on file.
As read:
h=6 m=15
